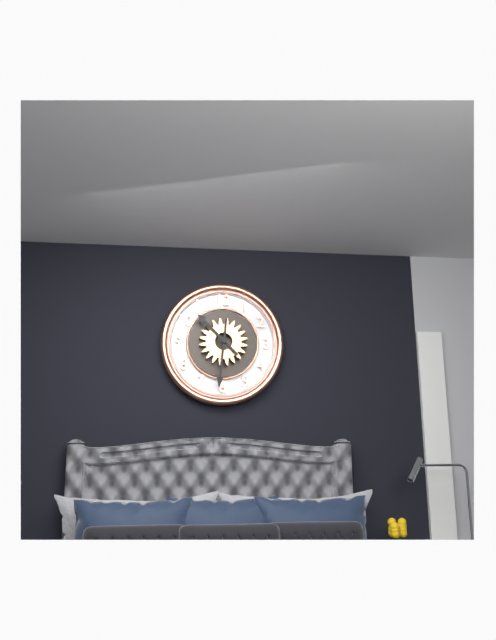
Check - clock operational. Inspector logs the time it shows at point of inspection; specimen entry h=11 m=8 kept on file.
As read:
h=10 m=31
